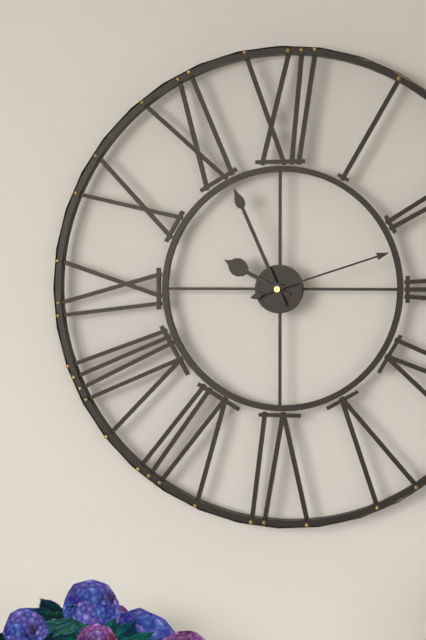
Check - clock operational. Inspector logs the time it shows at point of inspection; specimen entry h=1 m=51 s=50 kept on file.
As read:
h=9 m=56 s=12
